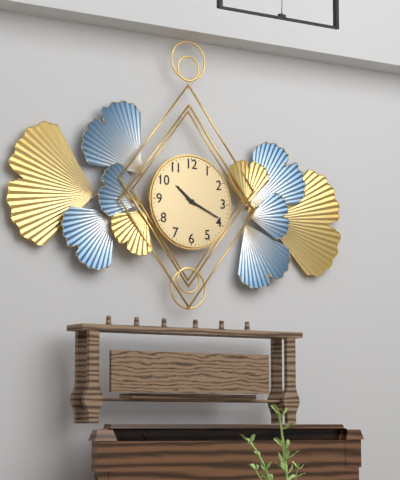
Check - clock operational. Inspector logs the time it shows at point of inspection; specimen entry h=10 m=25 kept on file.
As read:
h=10 m=19
